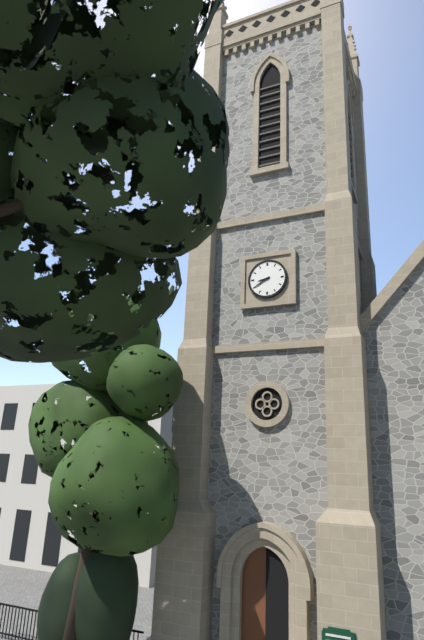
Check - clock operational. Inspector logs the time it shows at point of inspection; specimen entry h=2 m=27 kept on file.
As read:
h=8 m=40
